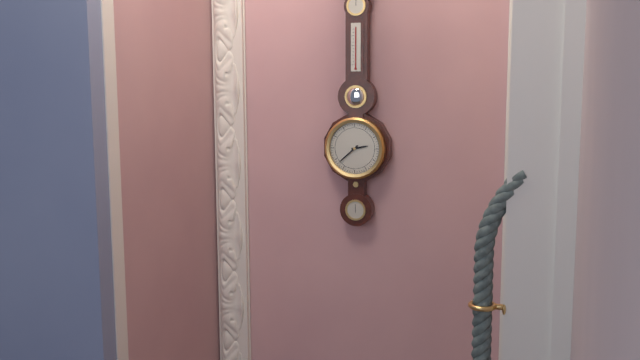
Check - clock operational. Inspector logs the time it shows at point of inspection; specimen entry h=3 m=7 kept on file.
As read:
h=2 m=38
